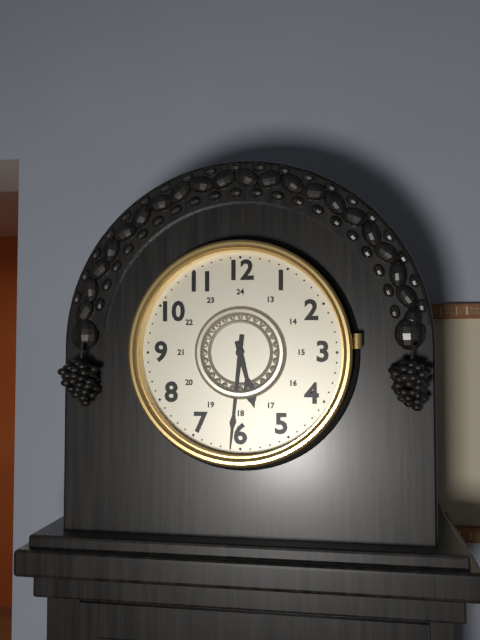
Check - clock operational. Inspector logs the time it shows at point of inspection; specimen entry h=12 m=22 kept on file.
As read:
h=5 m=31
